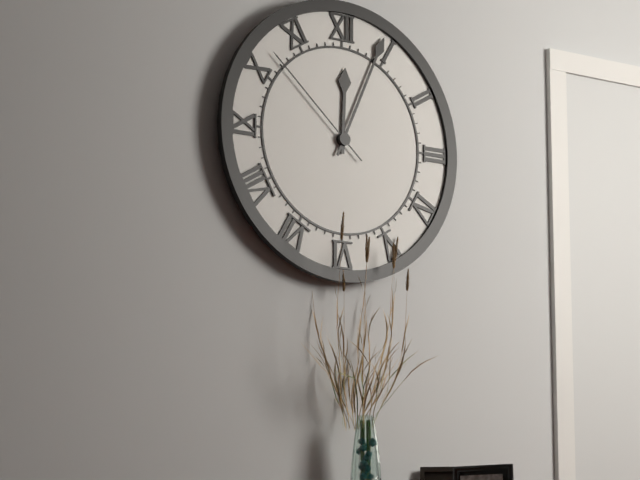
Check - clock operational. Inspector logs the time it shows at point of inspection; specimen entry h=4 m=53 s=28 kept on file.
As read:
h=12 m=4 s=52
